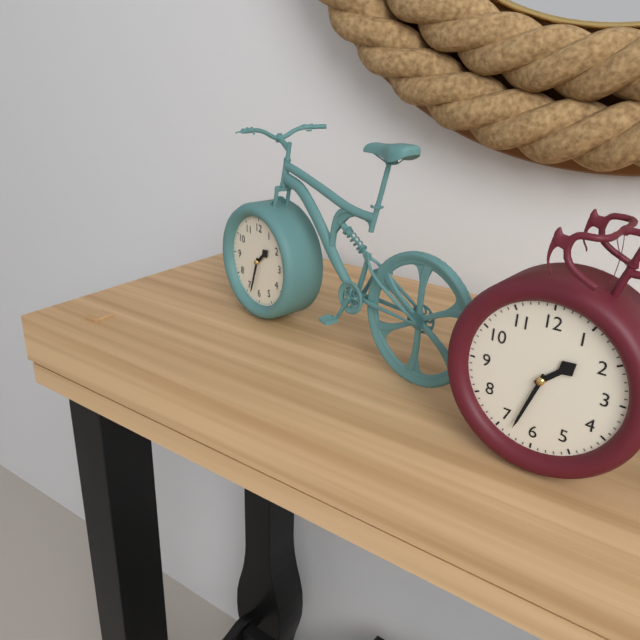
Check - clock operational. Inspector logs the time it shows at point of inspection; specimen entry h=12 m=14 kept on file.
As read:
h=1 m=33
